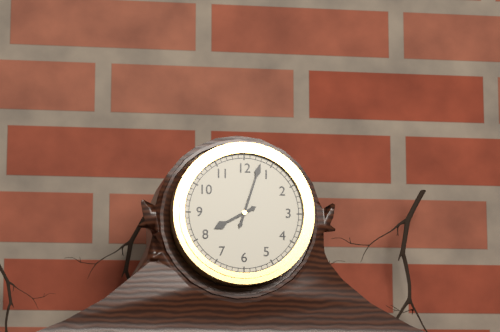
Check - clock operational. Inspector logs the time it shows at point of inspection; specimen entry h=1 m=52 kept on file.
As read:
h=8 m=3
